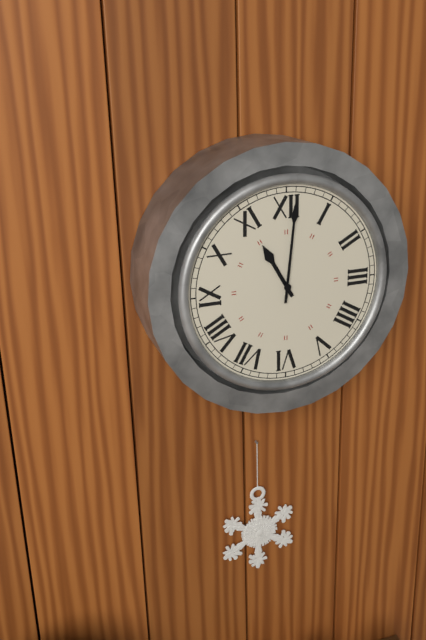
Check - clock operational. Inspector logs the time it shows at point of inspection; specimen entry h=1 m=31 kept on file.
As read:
h=11 m=1
